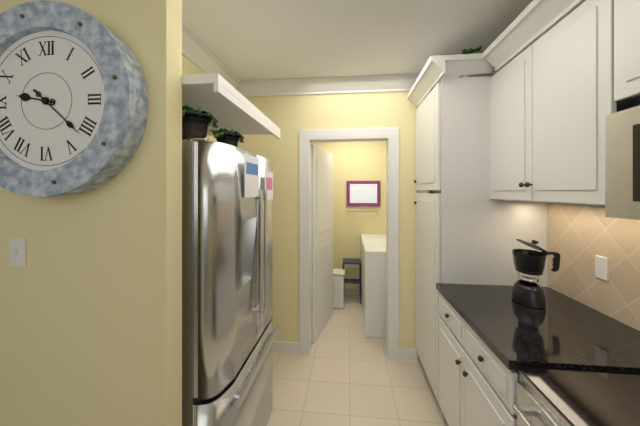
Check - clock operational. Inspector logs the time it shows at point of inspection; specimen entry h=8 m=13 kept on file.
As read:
h=9 m=22
